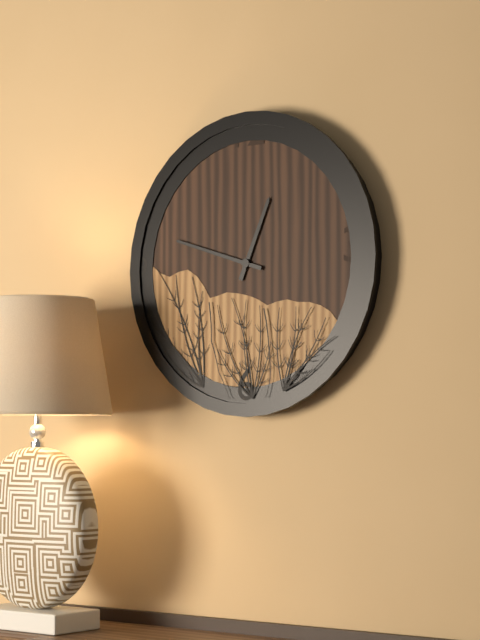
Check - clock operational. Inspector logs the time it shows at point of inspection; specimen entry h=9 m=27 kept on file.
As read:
h=12 m=48
